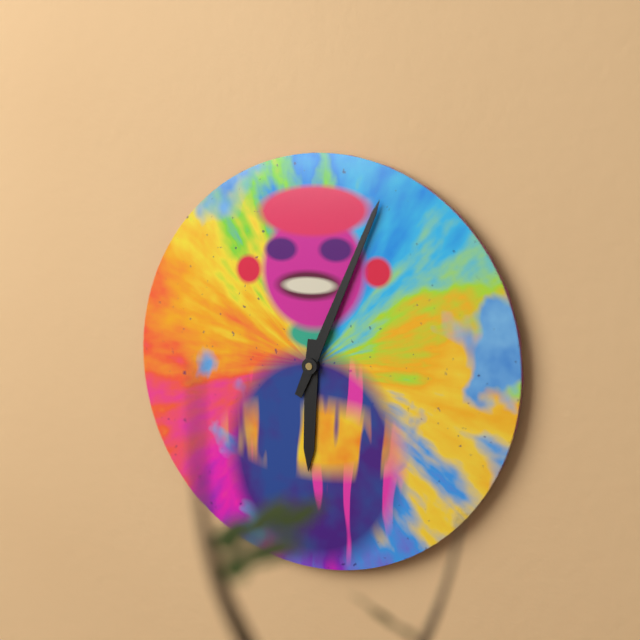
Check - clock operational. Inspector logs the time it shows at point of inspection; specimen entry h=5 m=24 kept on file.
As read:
h=6 m=4
